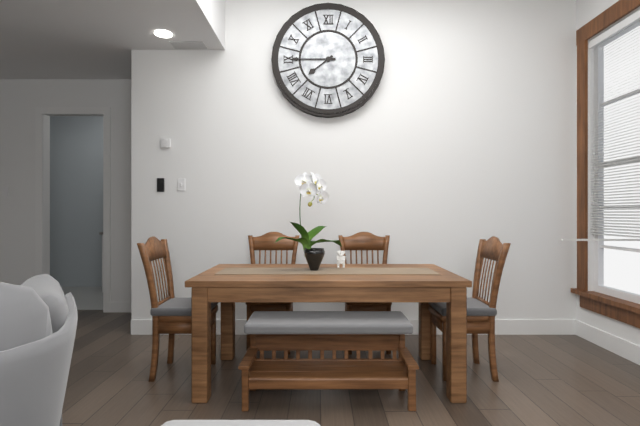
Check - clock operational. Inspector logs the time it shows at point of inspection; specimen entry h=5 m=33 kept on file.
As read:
h=7 m=45
